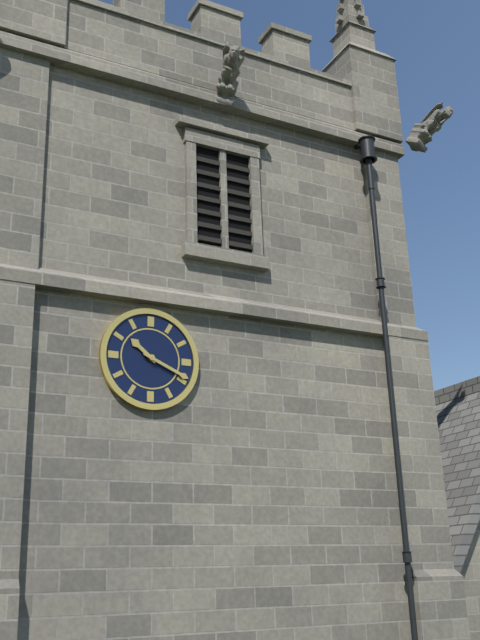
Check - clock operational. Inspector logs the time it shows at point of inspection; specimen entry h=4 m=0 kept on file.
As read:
h=10 m=19
